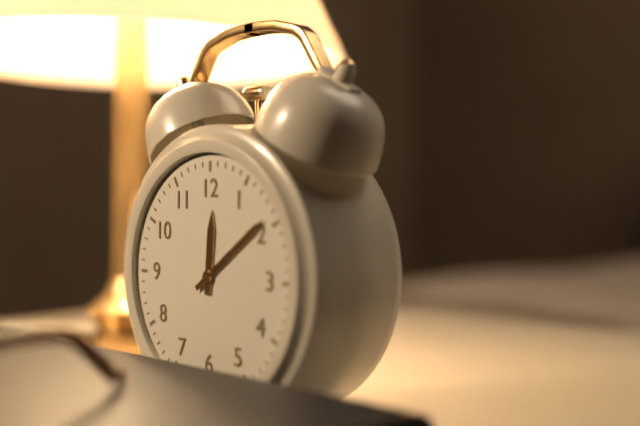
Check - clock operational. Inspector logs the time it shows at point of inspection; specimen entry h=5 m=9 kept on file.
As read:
h=12 m=9
